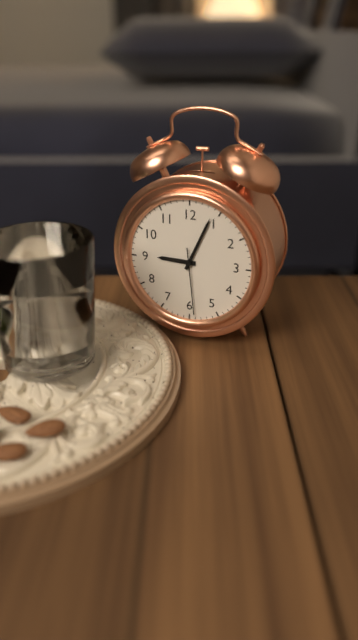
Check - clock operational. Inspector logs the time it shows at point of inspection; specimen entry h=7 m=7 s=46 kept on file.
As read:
h=9 m=4 s=29
